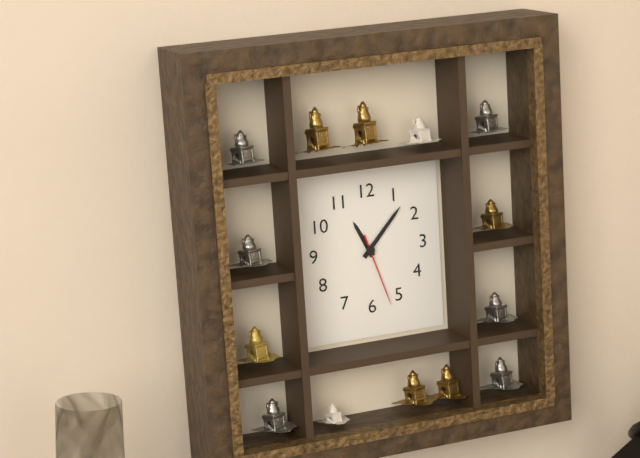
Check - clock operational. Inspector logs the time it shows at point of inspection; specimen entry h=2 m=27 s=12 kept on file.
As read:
h=11 m=7 s=27
